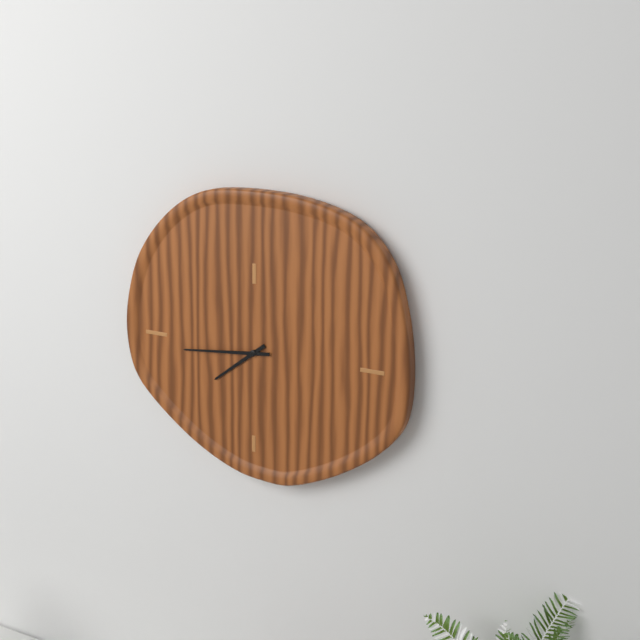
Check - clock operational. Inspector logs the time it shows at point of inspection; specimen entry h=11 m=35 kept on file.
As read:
h=7 m=44
